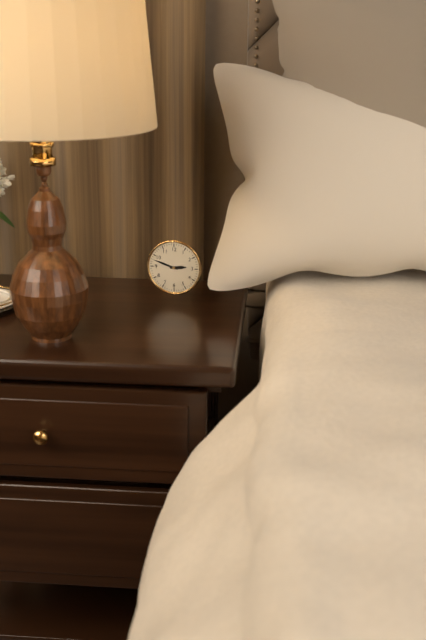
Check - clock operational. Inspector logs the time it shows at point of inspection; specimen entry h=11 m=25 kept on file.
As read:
h=2 m=48
